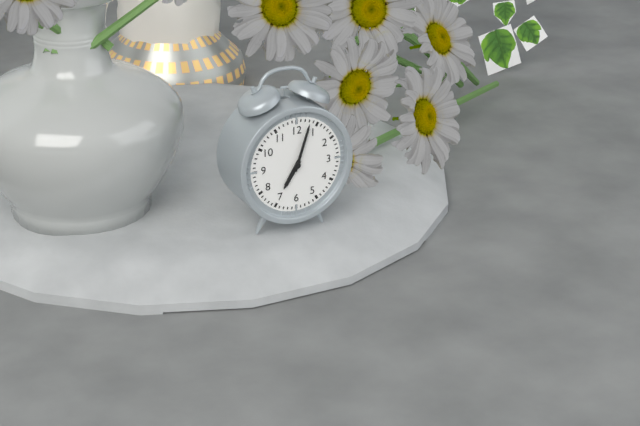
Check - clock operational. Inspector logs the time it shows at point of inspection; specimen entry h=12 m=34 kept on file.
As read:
h=7 m=3
